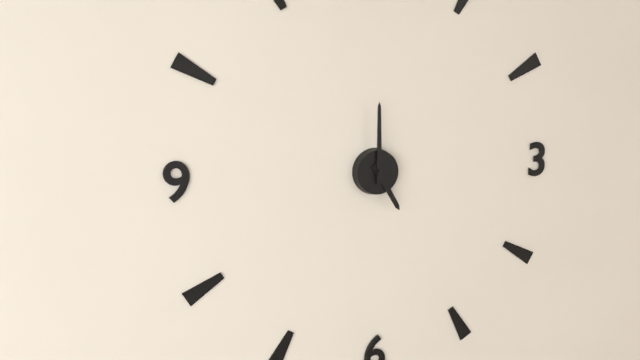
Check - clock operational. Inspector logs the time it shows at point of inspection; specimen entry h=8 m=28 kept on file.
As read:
h=5 m=0
